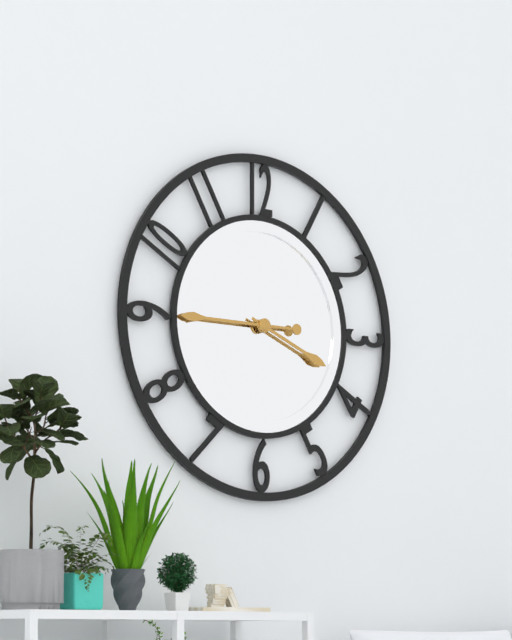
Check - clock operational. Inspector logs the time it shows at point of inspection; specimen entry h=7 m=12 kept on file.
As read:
h=3 m=45
